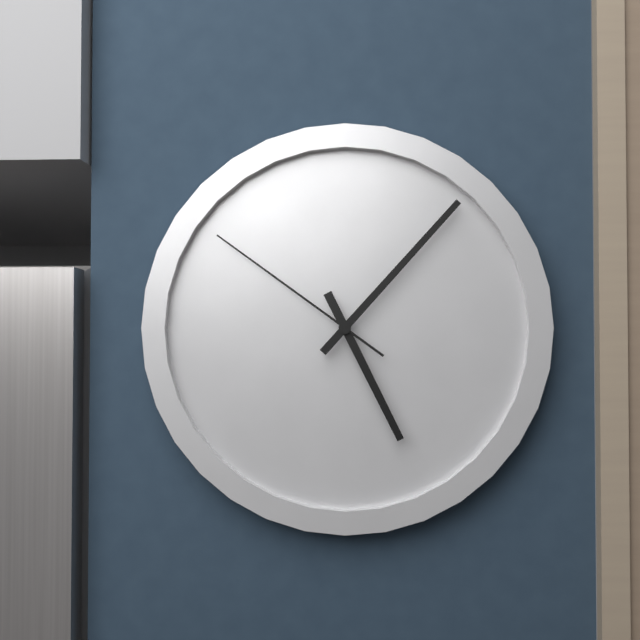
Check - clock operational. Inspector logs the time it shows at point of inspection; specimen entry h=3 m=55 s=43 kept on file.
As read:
h=5 m=7 s=51
